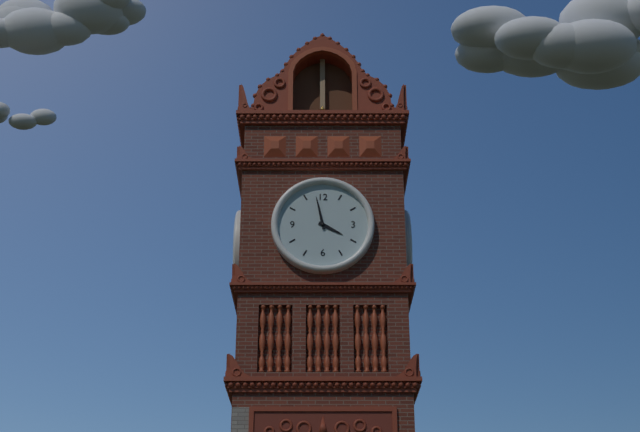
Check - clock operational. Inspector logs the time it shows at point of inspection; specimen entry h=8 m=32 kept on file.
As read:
h=3 m=58
